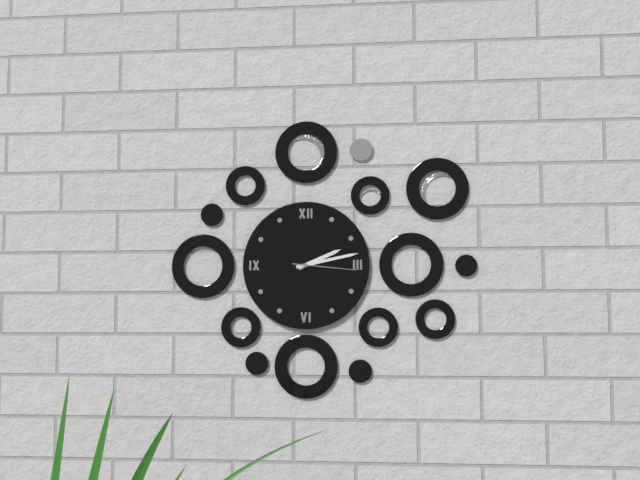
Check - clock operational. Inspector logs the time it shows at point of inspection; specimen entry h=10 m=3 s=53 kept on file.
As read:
h=2 m=13 s=16
